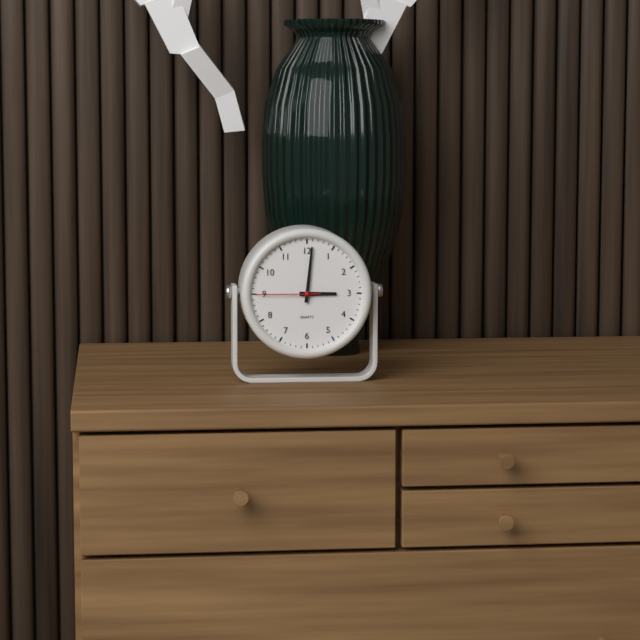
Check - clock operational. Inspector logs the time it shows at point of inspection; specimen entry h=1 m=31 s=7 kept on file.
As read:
h=3 m=1 s=45
